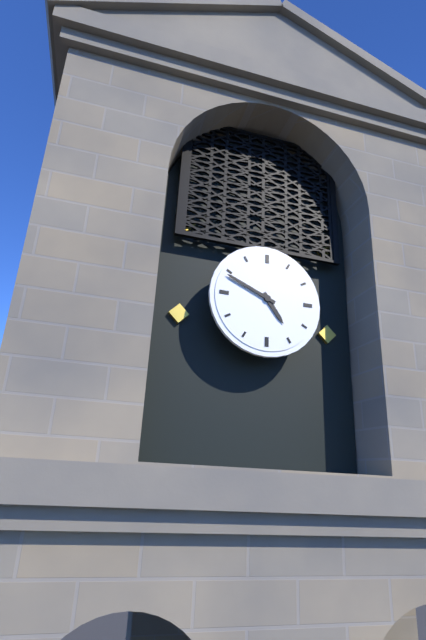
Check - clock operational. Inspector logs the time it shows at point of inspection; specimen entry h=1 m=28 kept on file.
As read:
h=4 m=49
